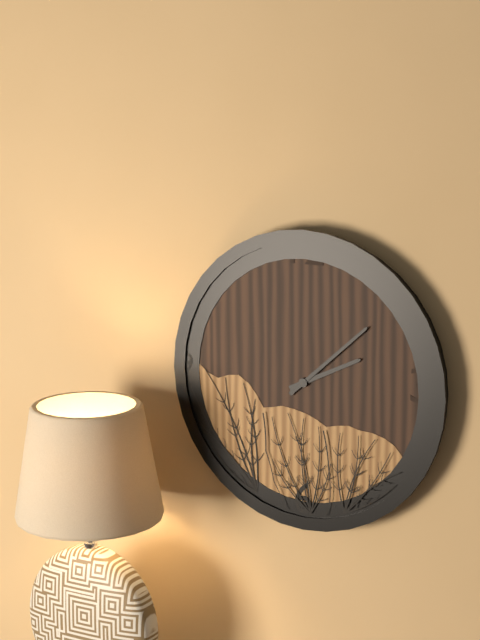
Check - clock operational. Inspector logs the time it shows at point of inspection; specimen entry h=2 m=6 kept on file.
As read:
h=2 m=8
